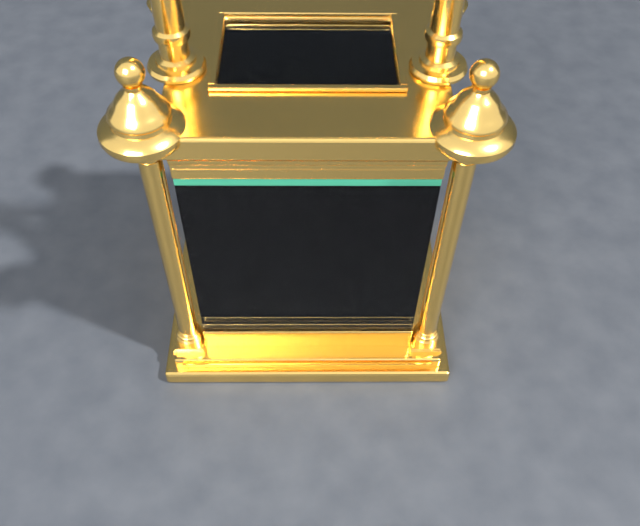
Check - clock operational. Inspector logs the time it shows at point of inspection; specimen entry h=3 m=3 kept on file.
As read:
h=6 m=11
